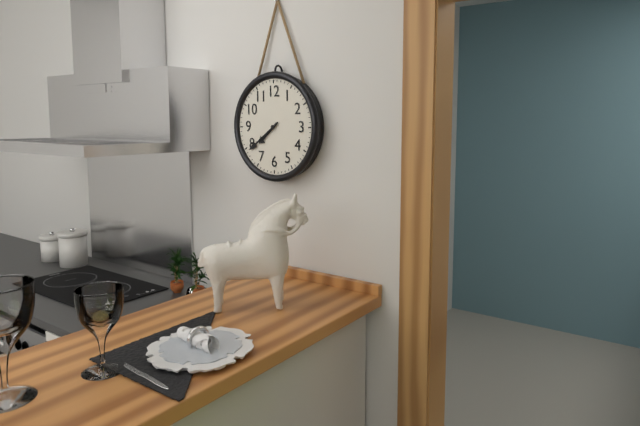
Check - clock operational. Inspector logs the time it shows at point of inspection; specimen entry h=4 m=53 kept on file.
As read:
h=7 m=39
